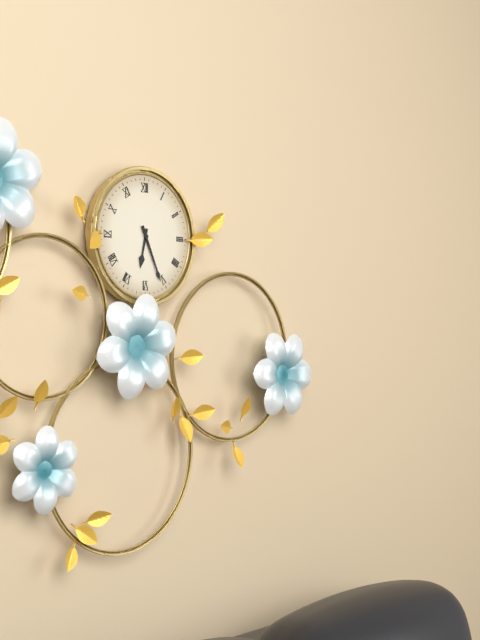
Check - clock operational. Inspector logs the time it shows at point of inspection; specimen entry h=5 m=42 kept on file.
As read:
h=6 m=26
